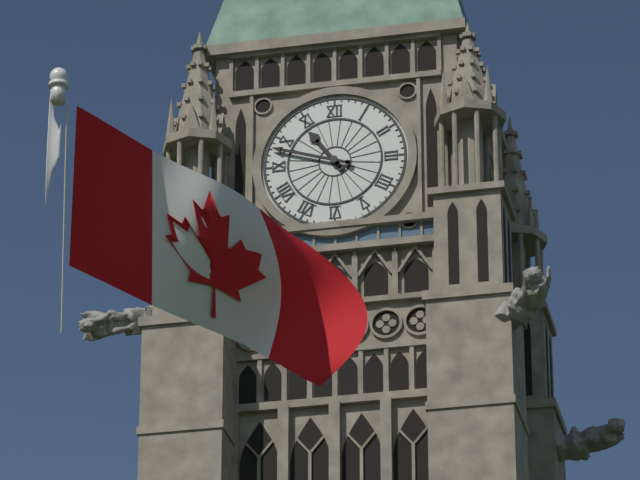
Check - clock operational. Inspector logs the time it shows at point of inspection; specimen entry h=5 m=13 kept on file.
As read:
h=10 m=48
